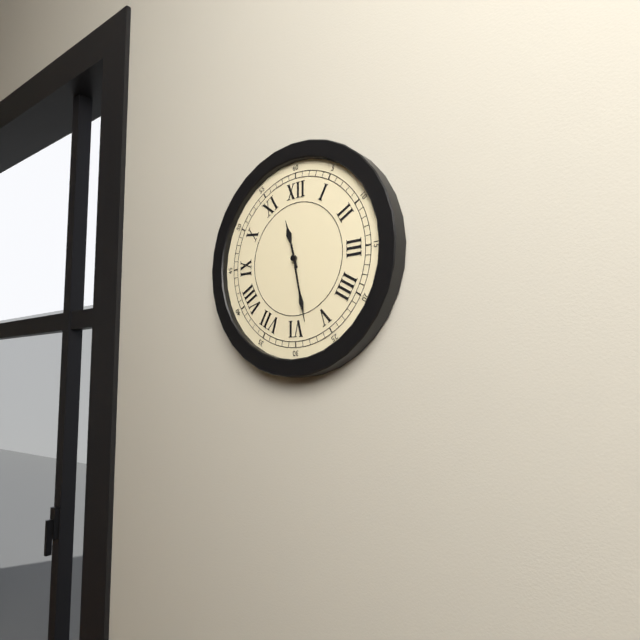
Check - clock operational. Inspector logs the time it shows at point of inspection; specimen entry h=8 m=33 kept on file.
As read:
h=11 m=28
